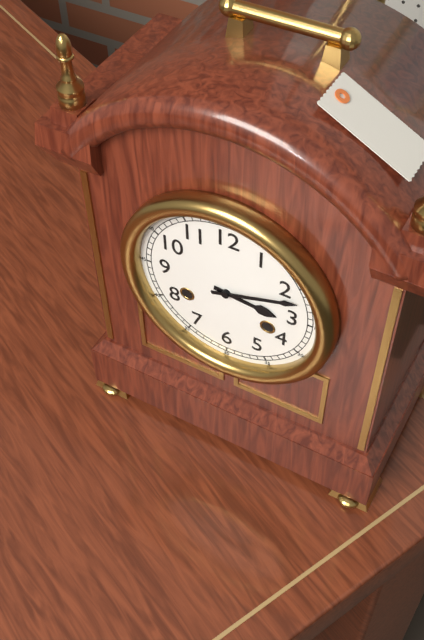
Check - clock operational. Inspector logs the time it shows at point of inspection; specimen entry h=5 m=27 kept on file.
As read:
h=3 m=12
